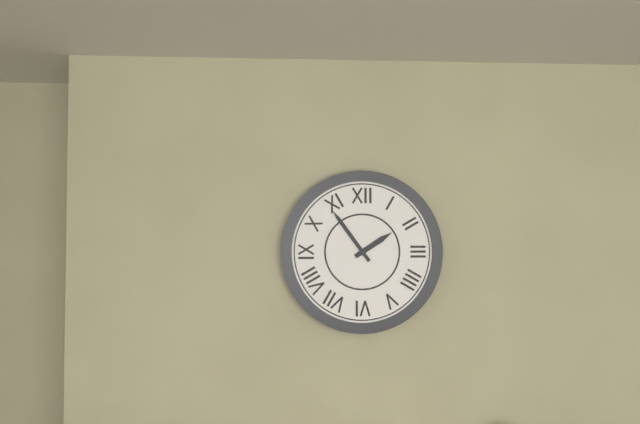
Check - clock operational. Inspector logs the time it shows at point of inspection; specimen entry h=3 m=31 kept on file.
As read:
h=1 m=54
